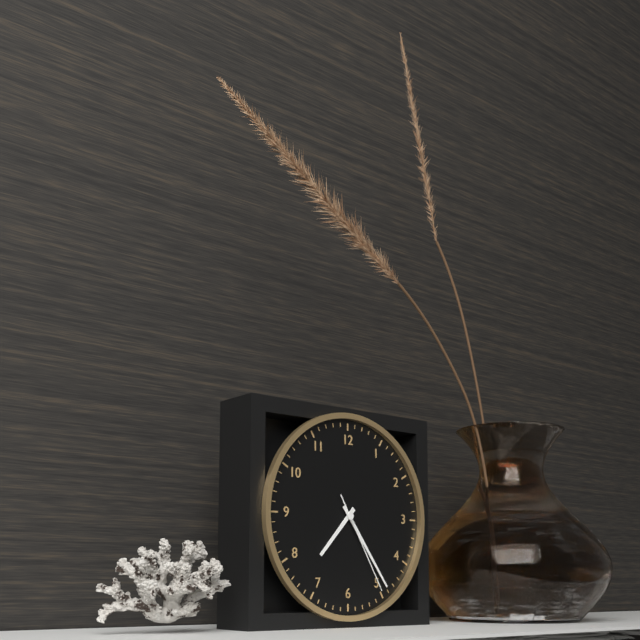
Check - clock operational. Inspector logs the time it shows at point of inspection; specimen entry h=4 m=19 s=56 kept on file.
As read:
h=7 m=24 s=25
